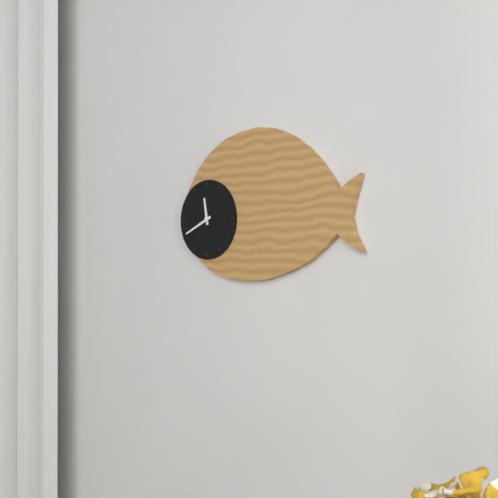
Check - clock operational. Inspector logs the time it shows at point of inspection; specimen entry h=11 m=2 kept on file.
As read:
h=11 m=41
